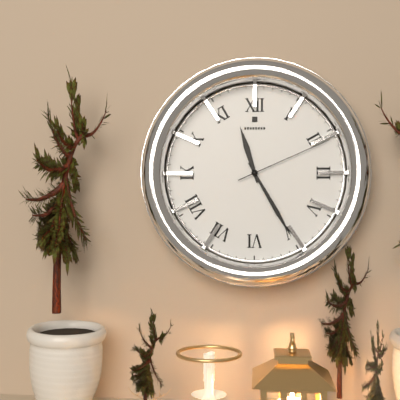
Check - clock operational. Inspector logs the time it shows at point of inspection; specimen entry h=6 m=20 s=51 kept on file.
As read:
h=11 m=25 s=11
